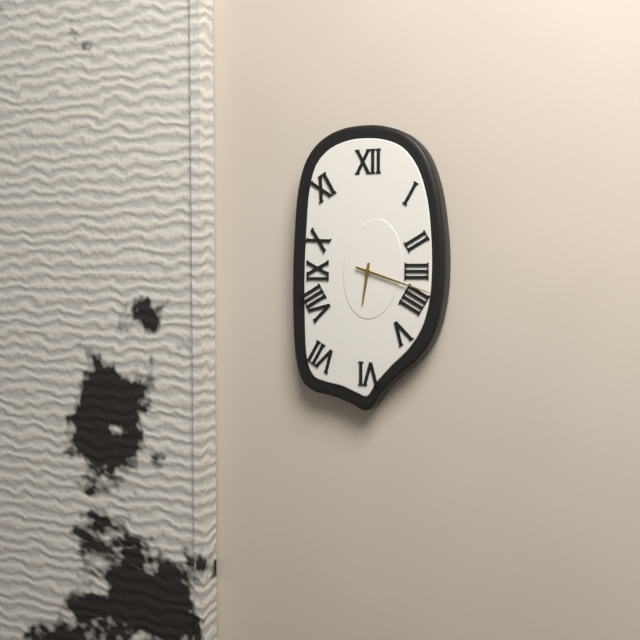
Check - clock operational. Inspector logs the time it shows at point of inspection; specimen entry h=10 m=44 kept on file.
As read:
h=6 m=18
